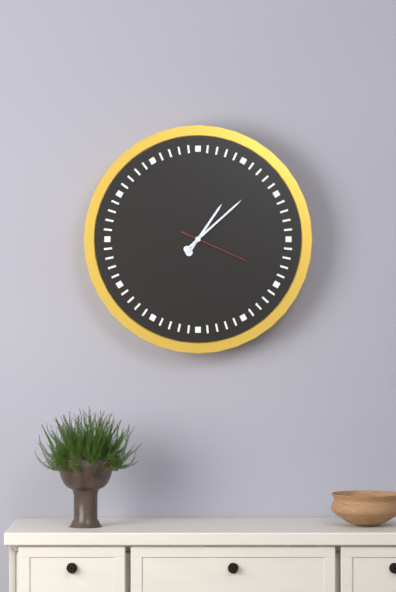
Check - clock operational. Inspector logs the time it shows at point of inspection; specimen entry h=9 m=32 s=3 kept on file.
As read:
h=1 m=8 s=19
